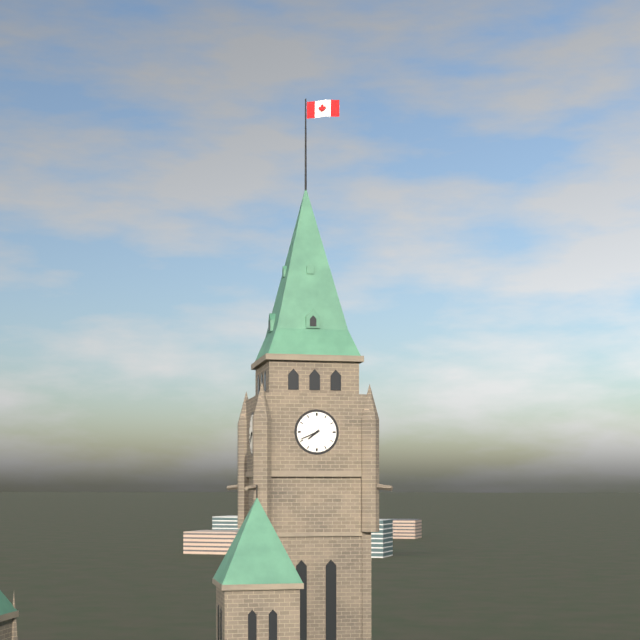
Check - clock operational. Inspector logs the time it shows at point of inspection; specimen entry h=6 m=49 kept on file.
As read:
h=7 m=41
